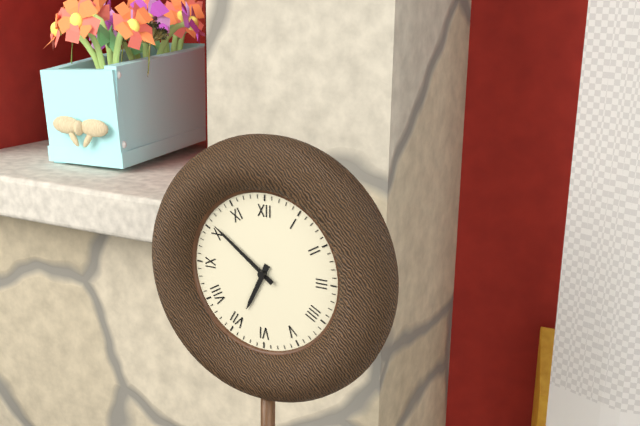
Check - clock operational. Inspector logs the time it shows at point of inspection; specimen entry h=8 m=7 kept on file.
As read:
h=6 m=51
